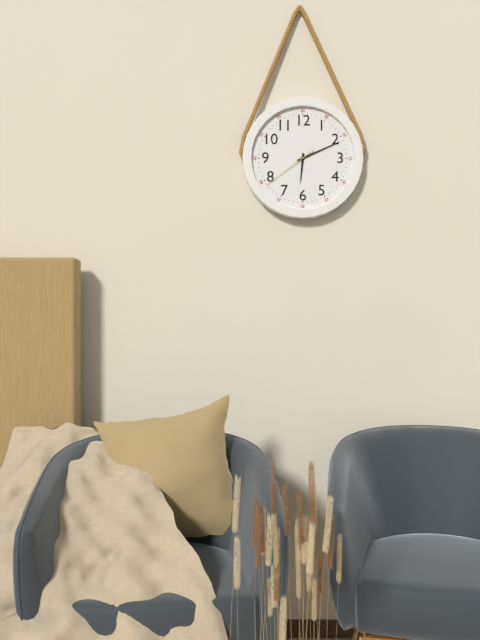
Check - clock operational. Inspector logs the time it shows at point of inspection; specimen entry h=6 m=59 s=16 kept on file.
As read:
h=6 m=11 s=39
